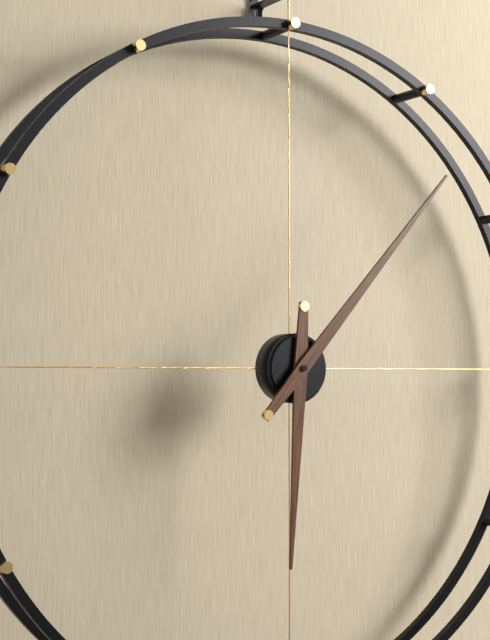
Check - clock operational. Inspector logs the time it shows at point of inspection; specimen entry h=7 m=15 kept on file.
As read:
h=6 m=7
